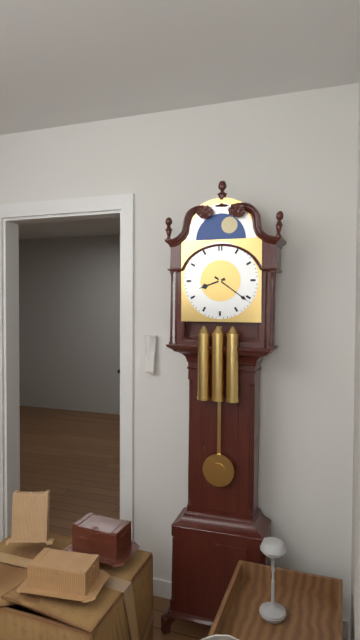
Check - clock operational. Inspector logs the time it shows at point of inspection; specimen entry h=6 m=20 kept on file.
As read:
h=8 m=21
